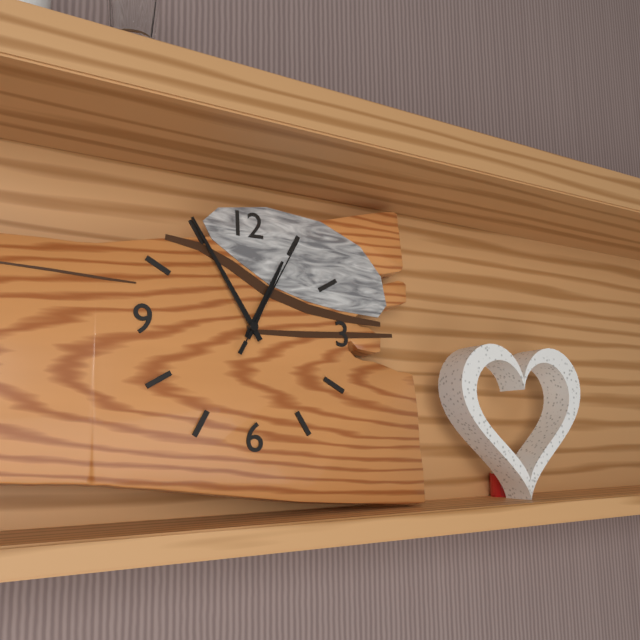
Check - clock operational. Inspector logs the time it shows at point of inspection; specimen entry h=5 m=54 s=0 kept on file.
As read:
h=12 m=55 s=5
